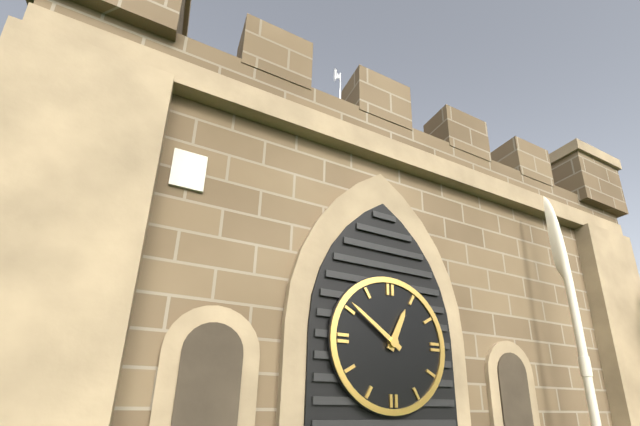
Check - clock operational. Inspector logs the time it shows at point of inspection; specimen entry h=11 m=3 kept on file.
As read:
h=12 m=51
